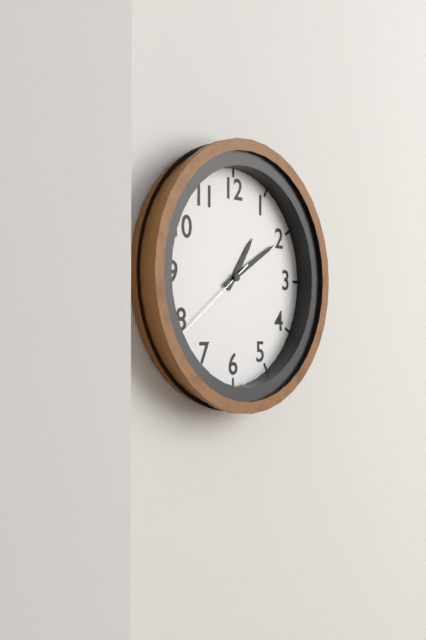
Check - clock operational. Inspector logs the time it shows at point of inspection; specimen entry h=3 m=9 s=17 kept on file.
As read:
h=1 m=10 s=39
